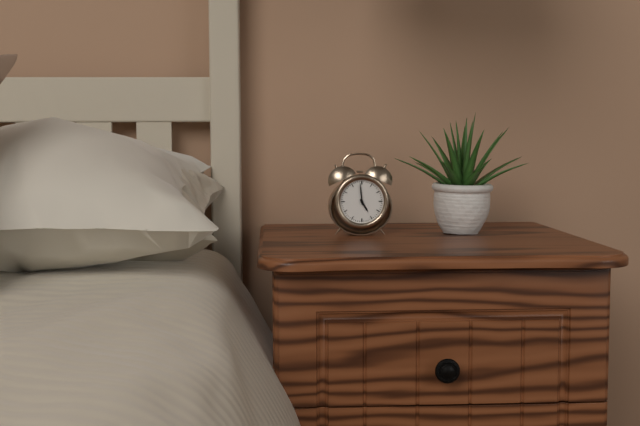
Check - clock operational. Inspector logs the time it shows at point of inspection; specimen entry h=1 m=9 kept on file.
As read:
h=4 m=59
